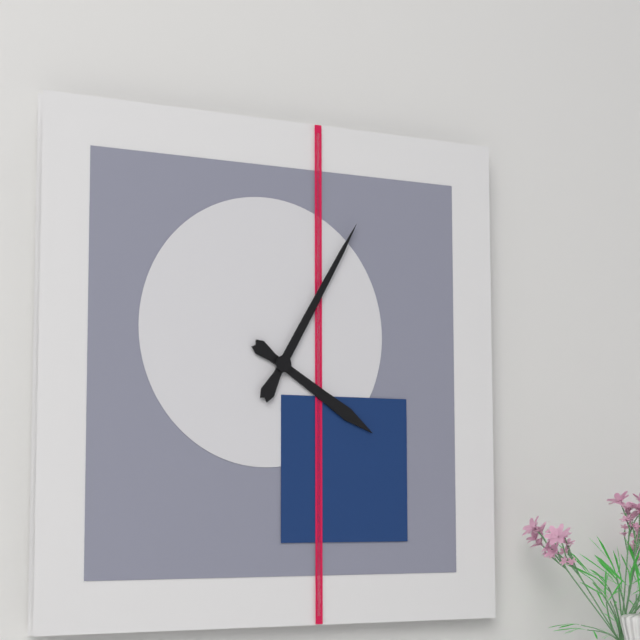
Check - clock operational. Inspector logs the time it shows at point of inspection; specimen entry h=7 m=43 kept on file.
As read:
h=4 m=5
